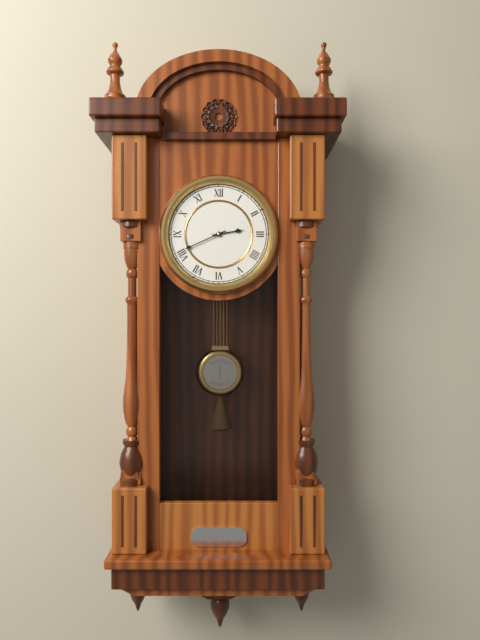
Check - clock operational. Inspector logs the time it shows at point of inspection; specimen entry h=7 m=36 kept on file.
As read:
h=2 m=41
